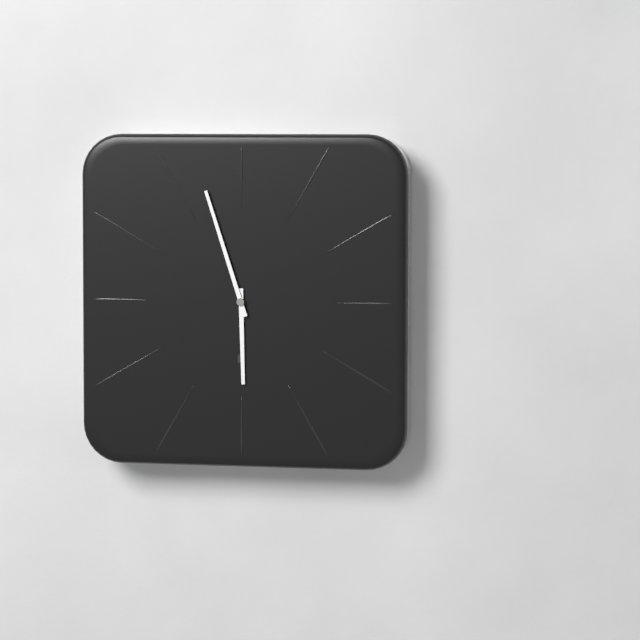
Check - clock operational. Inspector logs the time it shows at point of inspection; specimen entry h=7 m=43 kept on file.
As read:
h=5 m=57
